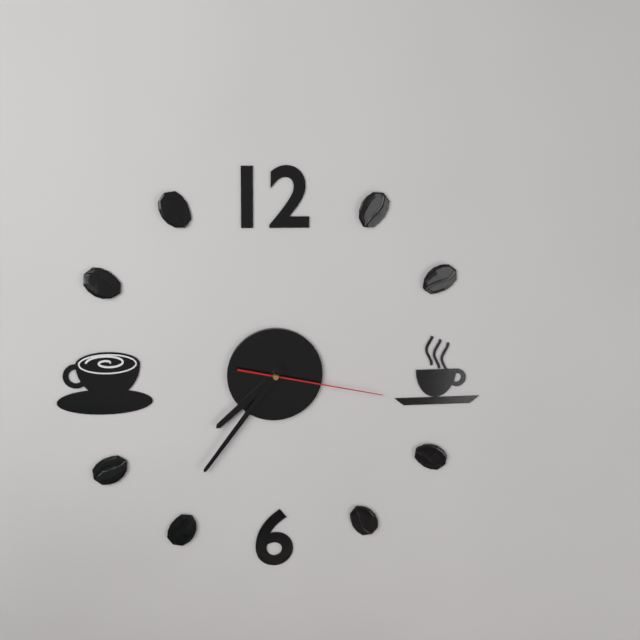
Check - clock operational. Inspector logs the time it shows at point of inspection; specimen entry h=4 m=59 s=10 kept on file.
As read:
h=7 m=36 s=17
